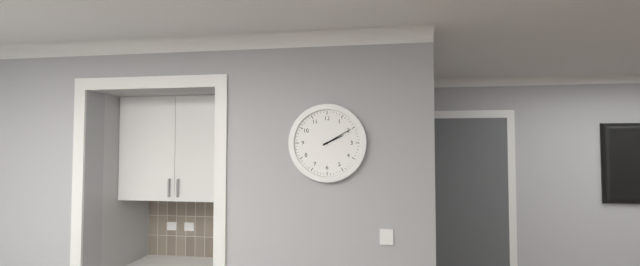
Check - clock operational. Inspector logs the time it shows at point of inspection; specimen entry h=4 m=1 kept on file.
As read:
h=2 m=10
